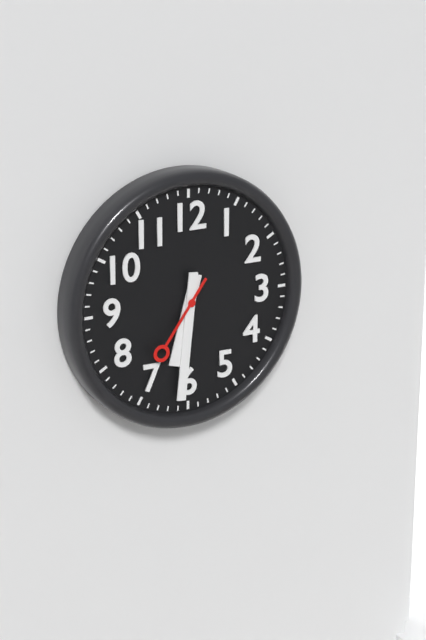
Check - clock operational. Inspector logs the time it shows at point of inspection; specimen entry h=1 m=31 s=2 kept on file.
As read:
h=6 m=31 s=36
